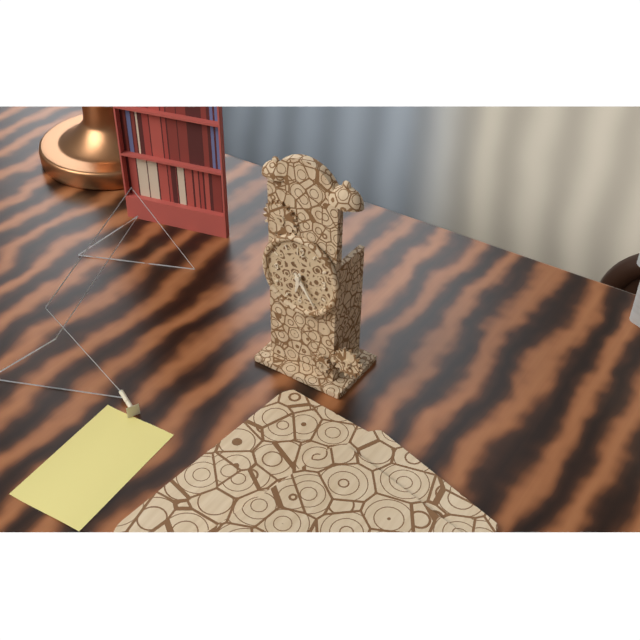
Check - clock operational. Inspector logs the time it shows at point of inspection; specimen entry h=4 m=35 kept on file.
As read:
h=6 m=24
